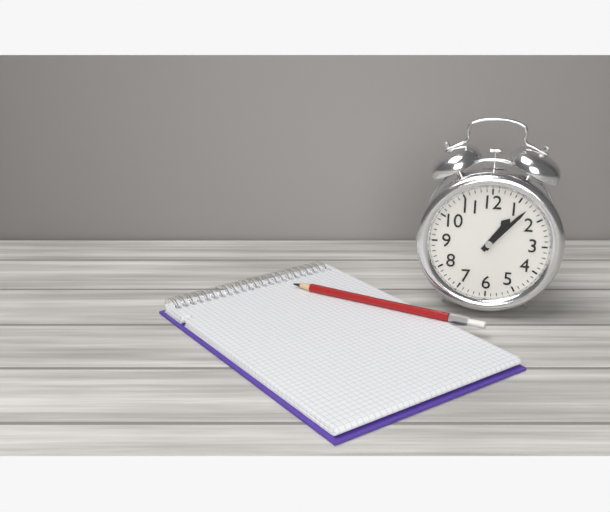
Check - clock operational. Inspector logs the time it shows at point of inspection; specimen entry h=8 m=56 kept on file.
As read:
h=1 m=7
